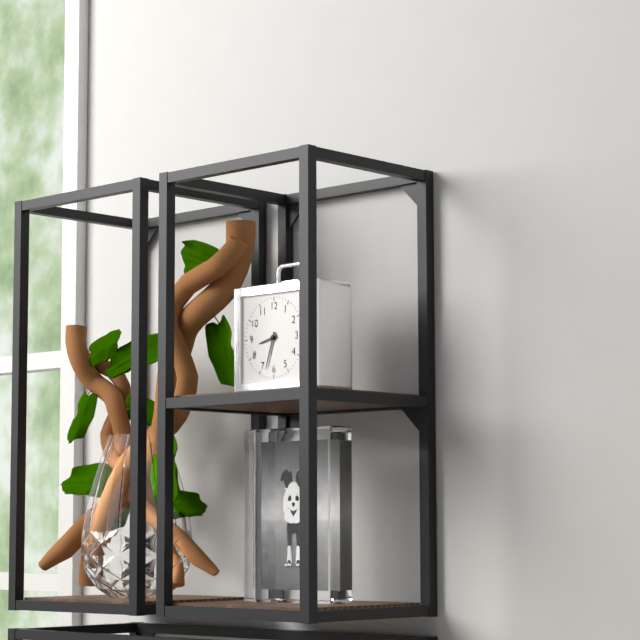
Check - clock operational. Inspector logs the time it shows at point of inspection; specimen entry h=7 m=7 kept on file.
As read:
h=8 m=33
